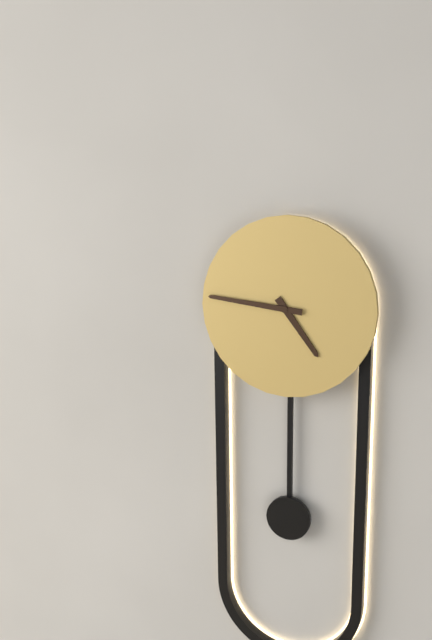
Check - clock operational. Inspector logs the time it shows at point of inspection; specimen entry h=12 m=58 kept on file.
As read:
h=4 m=46
